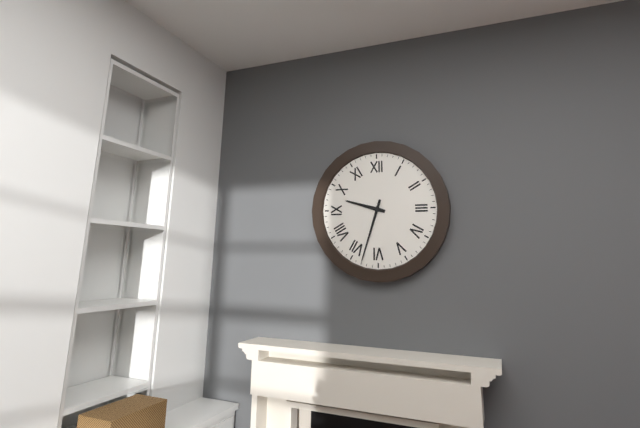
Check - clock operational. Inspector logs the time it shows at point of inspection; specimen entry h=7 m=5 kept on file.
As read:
h=9 m=33
